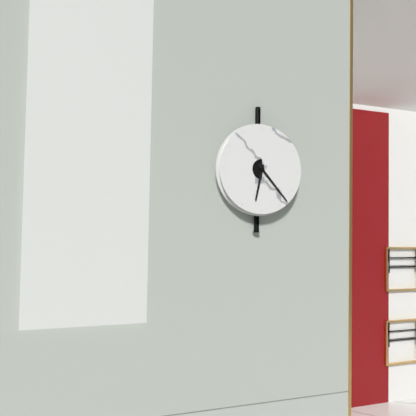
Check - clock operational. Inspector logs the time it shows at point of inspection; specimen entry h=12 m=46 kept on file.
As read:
h=6 m=23
